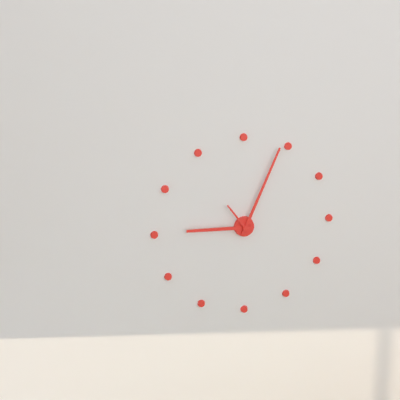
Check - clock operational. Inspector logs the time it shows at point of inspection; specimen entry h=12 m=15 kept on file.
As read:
h=9 m=4
